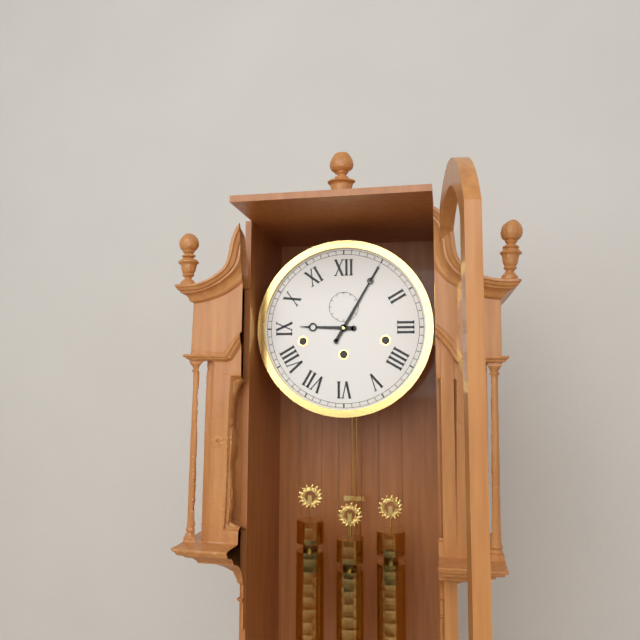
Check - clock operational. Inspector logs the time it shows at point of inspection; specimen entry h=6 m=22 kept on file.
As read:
h=9 m=5
